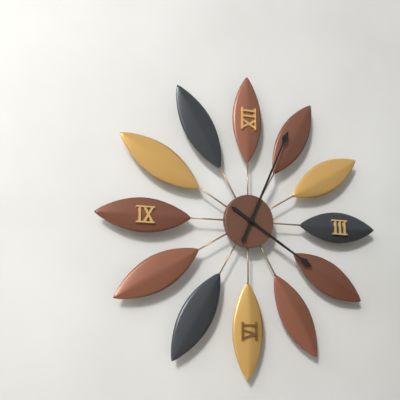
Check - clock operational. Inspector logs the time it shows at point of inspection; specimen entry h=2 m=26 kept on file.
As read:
h=4 m=4
